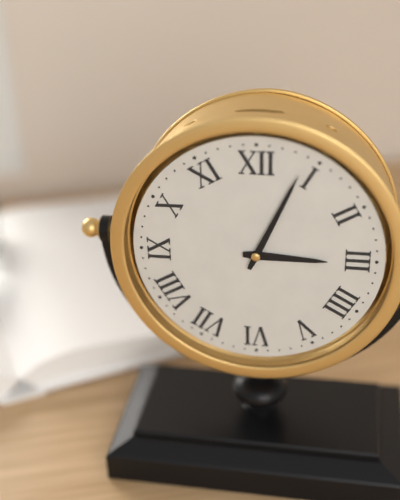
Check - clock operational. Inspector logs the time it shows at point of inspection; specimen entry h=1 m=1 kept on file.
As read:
h=3 m=4
